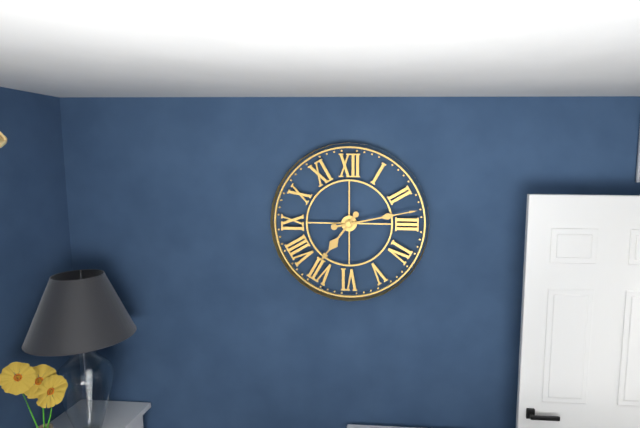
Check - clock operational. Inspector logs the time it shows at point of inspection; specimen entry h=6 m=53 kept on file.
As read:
h=7 m=13
